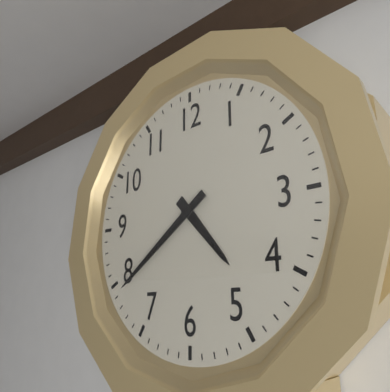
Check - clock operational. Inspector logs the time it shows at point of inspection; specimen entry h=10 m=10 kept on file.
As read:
h=4 m=39
